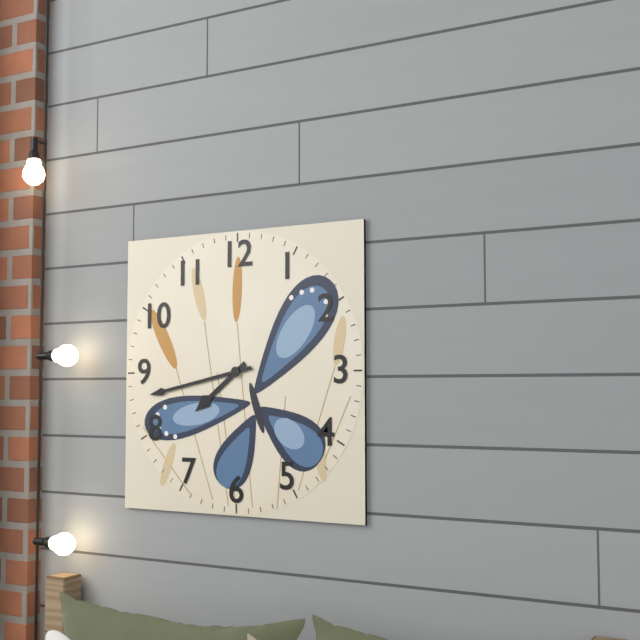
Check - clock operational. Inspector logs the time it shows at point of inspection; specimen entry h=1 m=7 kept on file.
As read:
h=7 m=43
